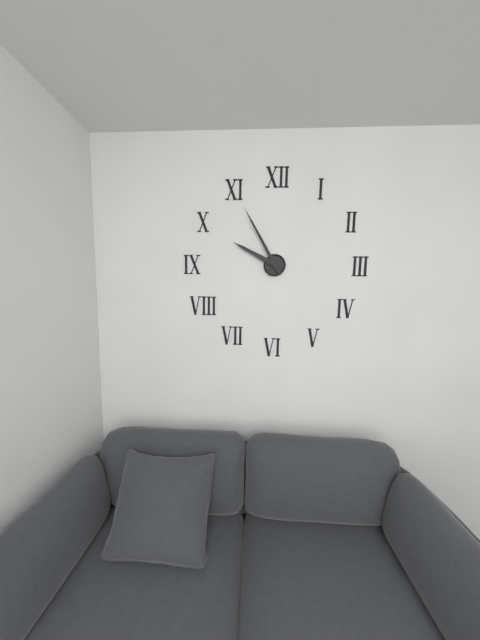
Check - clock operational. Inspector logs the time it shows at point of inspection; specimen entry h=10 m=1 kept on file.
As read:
h=9 m=55
